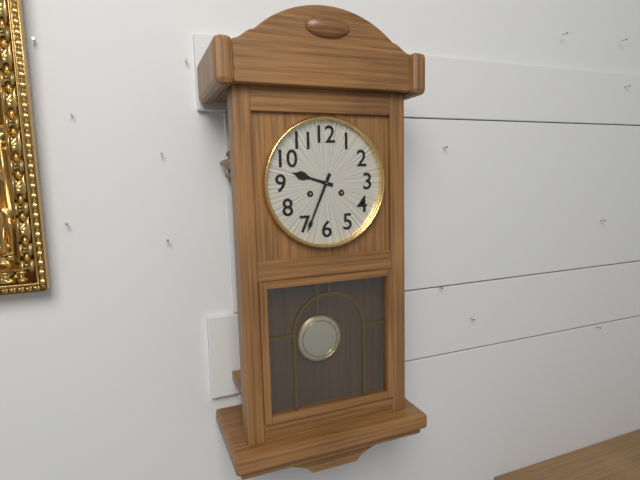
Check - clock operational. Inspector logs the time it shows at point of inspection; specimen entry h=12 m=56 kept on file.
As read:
h=9 m=34
